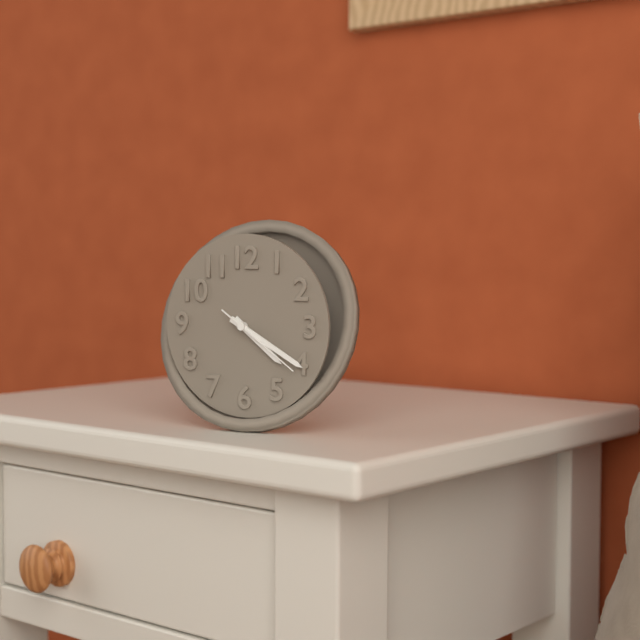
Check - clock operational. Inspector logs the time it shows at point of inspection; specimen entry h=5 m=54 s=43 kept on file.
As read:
h=4 m=20 s=21
